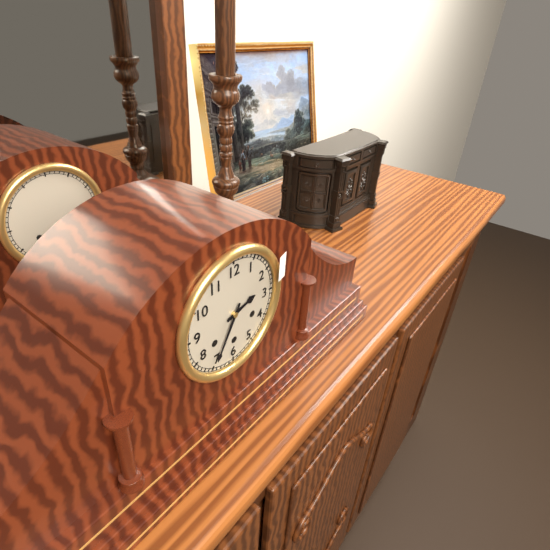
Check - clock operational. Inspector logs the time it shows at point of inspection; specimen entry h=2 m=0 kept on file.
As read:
h=2 m=35
